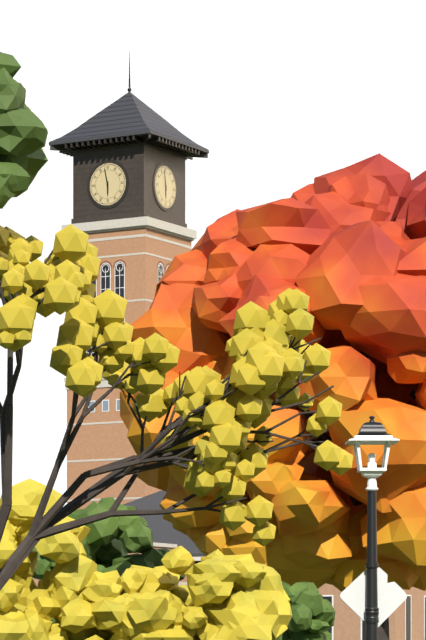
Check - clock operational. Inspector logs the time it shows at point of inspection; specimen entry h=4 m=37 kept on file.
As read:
h=5 m=58
